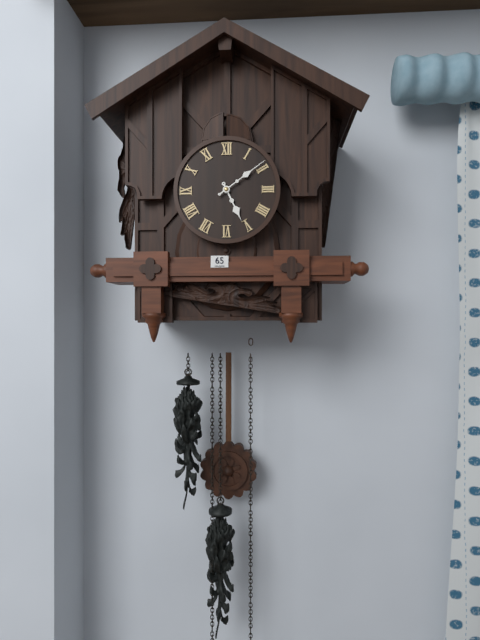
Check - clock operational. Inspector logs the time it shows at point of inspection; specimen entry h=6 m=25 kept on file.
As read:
h=5 m=9
